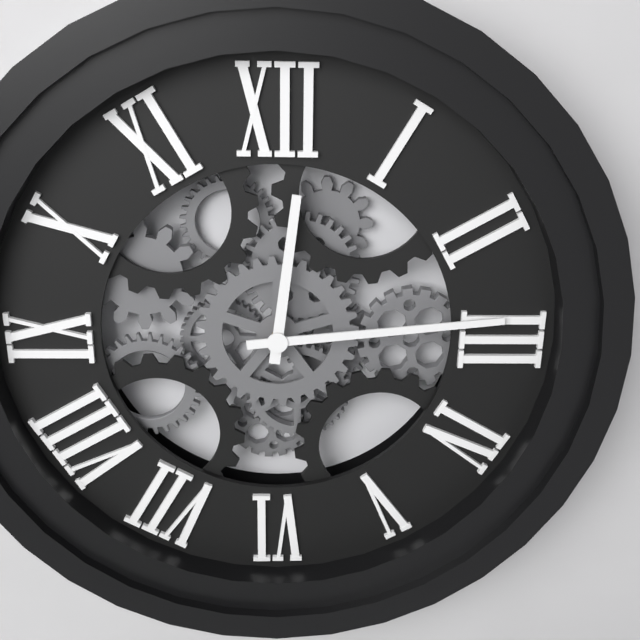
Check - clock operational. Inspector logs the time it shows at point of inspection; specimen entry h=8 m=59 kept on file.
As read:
h=12 m=14
